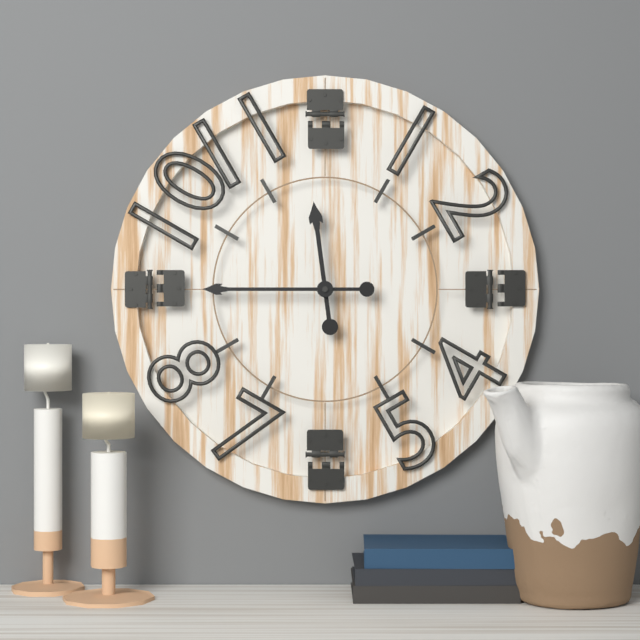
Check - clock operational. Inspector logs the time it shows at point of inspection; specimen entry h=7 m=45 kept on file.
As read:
h=11 m=45
